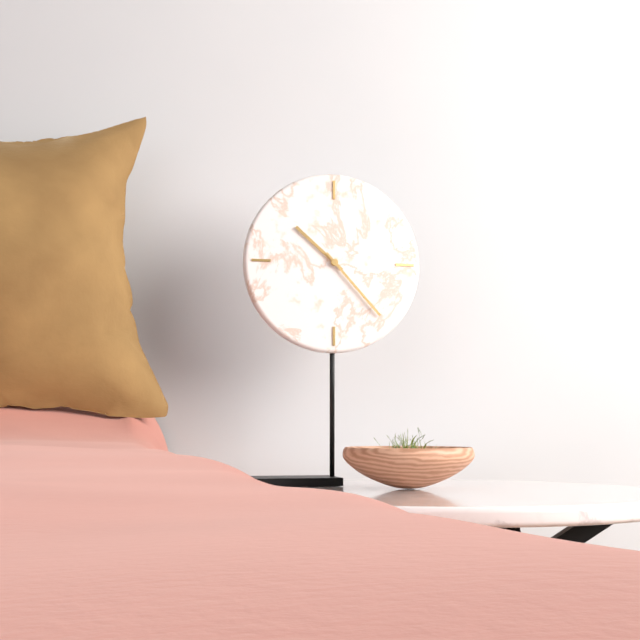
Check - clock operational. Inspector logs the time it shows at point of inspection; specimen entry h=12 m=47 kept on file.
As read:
h=10 m=23
